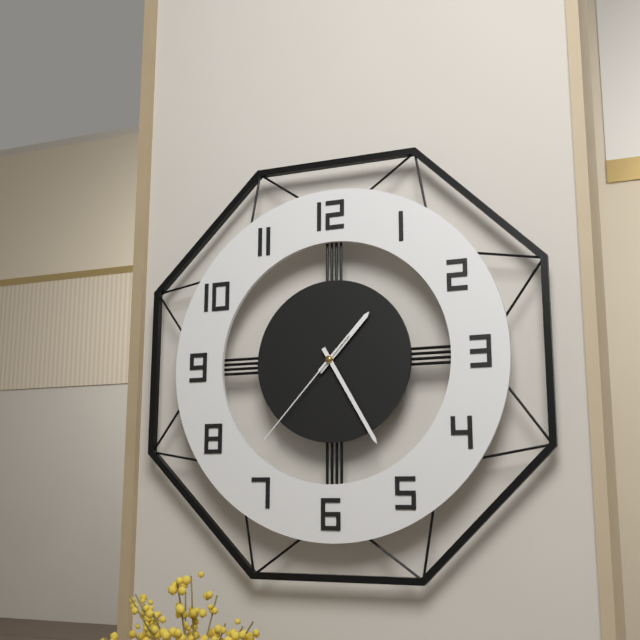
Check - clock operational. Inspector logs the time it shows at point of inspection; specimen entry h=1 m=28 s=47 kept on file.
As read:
h=1 m=25 s=37
